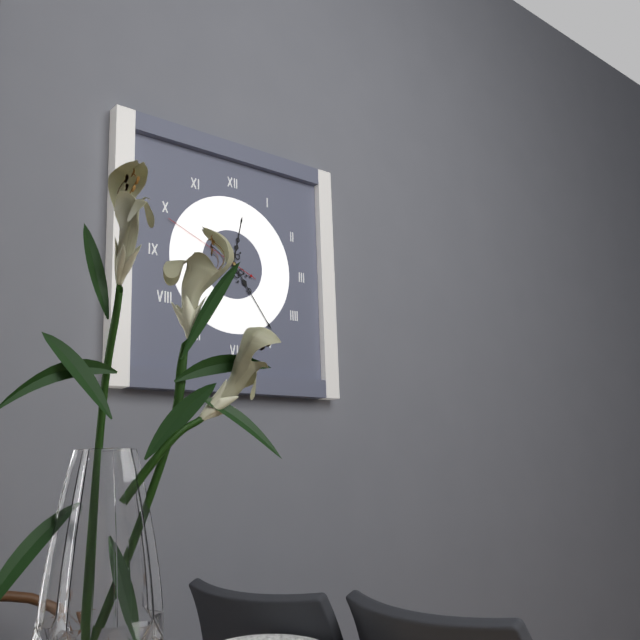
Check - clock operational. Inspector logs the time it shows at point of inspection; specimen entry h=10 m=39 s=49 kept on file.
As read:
h=12 m=24 s=49
